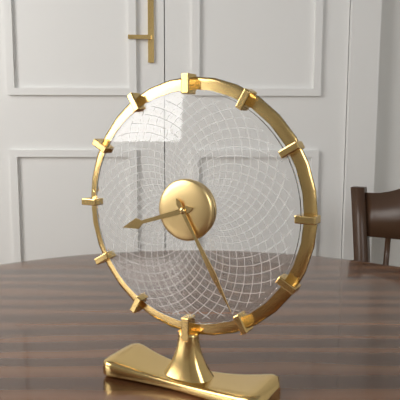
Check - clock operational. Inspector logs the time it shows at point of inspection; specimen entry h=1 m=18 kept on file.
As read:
h=8 m=25
